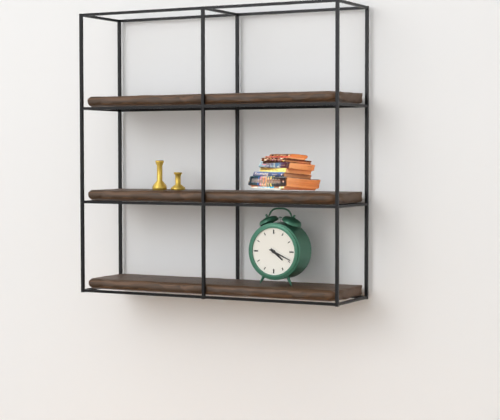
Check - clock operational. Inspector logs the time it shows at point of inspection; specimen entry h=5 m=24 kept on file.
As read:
h=4 m=19
